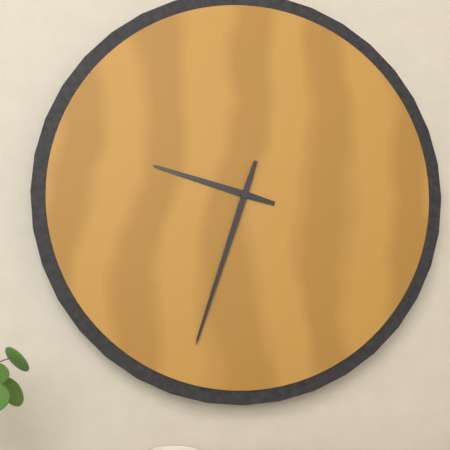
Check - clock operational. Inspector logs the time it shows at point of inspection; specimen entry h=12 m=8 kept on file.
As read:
h=9 m=33
